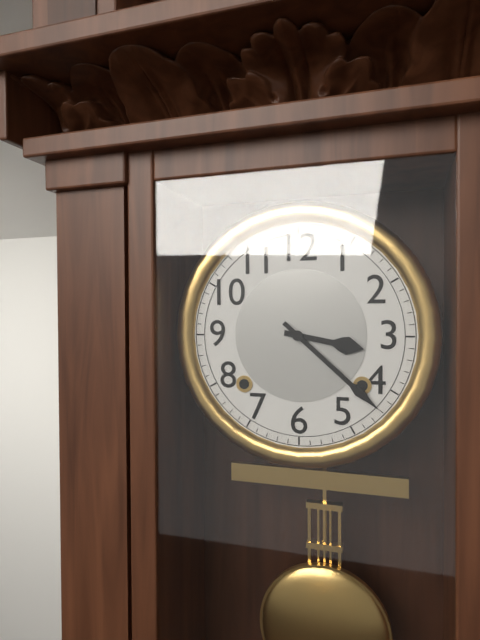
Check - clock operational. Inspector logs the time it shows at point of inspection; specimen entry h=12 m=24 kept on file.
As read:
h=3 m=22
